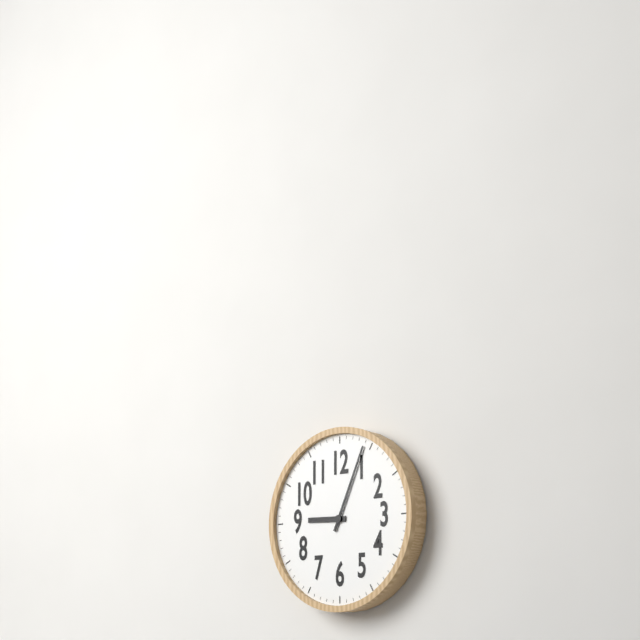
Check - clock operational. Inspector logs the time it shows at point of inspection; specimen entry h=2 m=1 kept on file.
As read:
h=9 m=4
